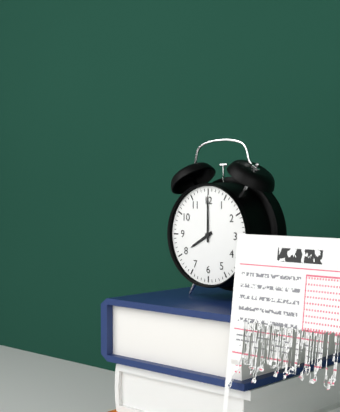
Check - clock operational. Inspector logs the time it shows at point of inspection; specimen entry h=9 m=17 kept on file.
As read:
h=8 m=0
